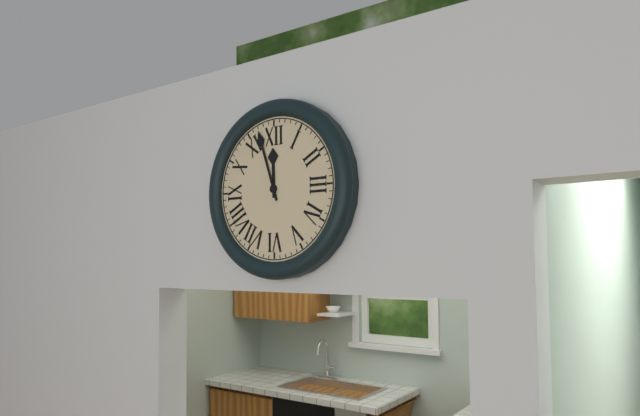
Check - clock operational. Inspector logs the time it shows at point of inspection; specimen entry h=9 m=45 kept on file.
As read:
h=11 m=57
